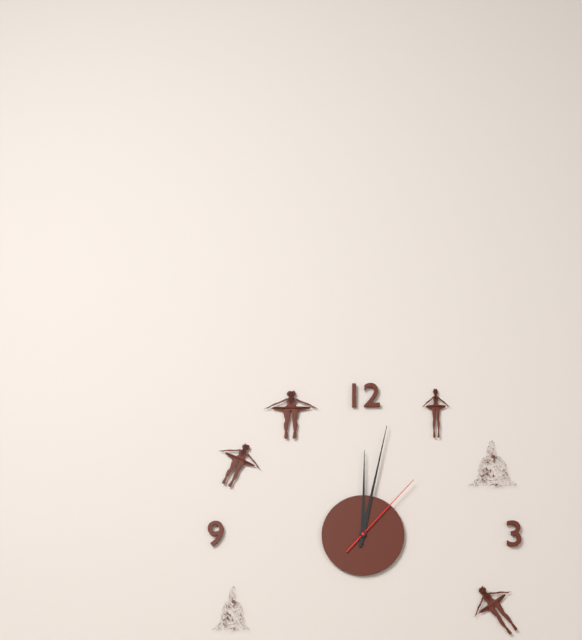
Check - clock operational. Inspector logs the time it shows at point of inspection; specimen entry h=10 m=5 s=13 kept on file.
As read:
h=12 m=2 s=7
